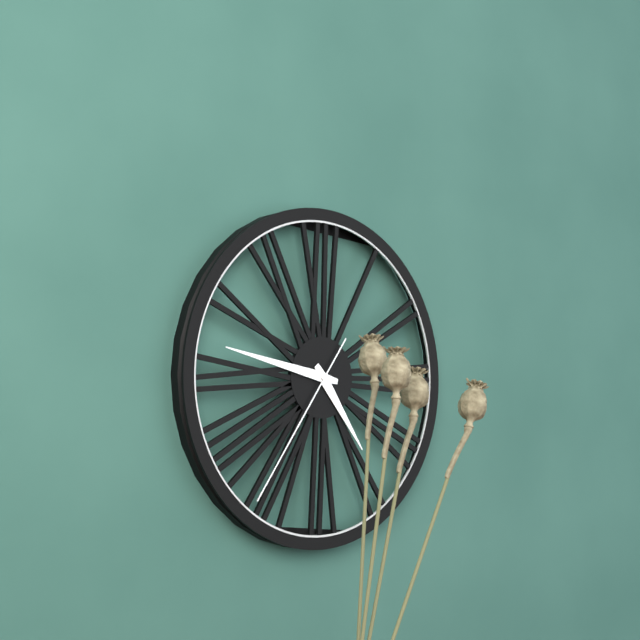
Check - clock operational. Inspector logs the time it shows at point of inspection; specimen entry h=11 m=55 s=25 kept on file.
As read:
h=4 m=47 s=36
